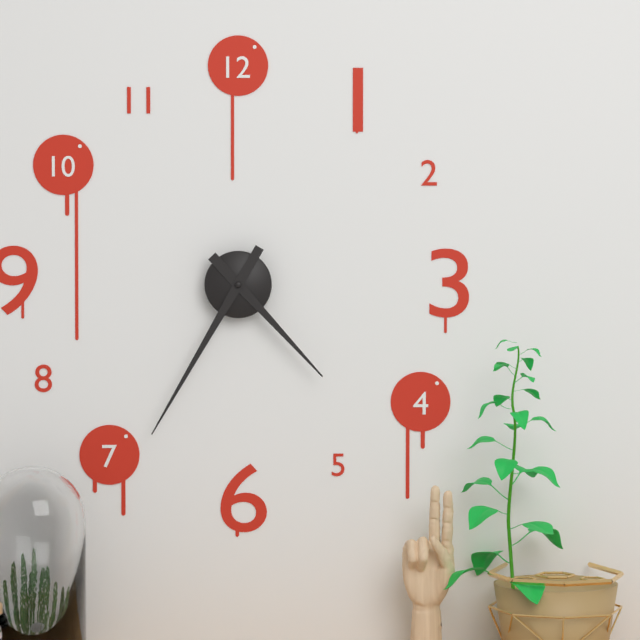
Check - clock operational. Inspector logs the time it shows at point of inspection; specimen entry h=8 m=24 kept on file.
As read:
h=4 m=35
